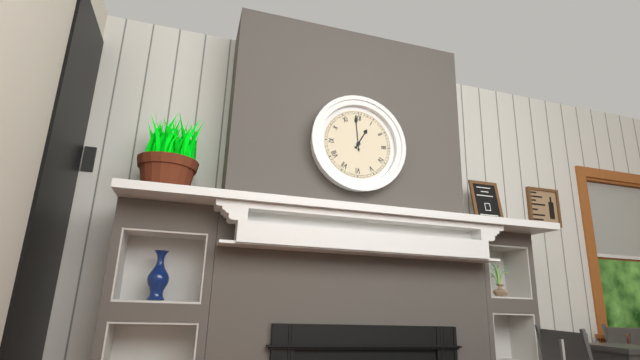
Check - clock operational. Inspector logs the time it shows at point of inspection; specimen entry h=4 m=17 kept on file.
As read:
h=12 m=59
